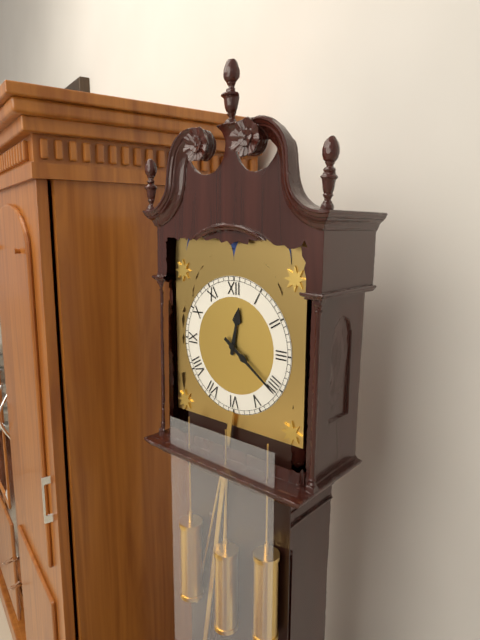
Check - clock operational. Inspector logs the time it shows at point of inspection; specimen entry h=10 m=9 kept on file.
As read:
h=12 m=21
